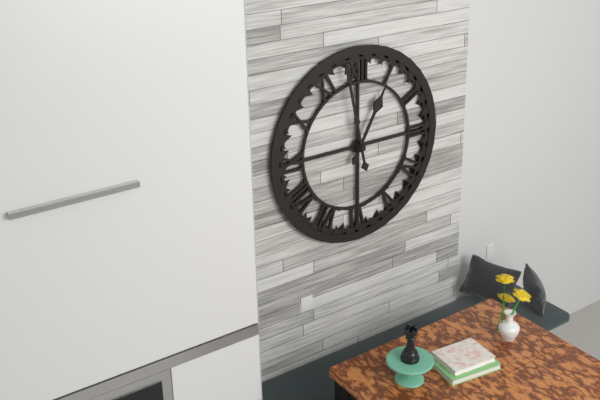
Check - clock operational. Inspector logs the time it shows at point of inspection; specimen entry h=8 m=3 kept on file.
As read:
h=12 m=58
